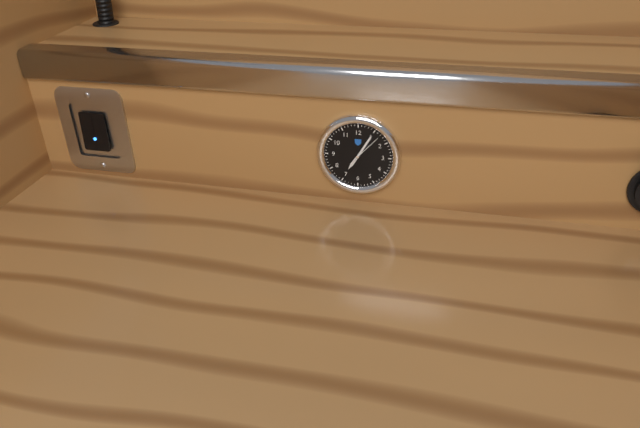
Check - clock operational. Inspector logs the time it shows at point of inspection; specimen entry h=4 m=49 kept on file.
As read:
h=7 m=5
